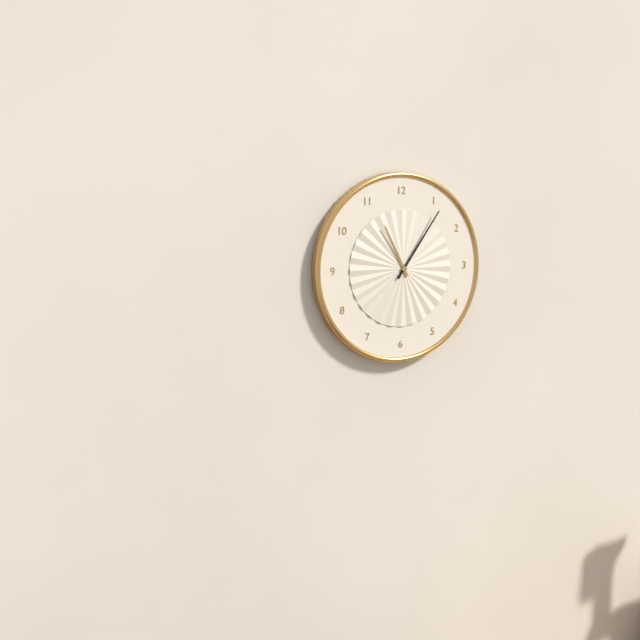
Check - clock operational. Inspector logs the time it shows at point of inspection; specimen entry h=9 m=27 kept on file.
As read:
h=11 m=6
